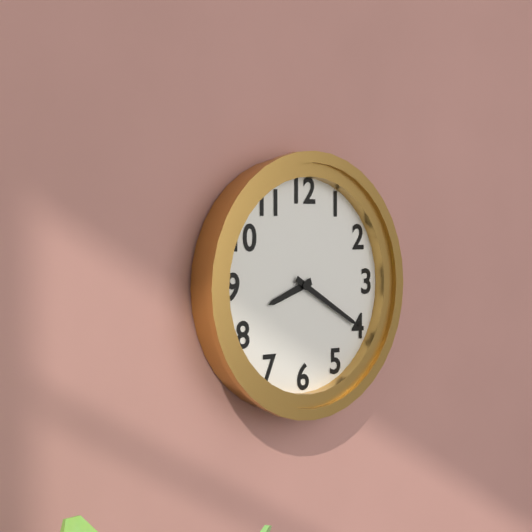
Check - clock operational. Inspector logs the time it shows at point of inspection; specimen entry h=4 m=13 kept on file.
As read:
h=8 m=20
